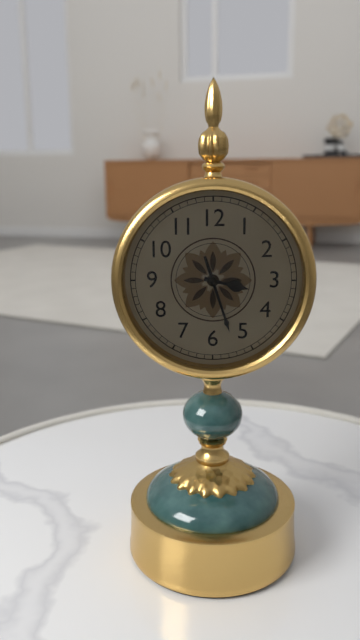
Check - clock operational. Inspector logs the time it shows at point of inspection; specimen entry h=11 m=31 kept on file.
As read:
h=3 m=27
